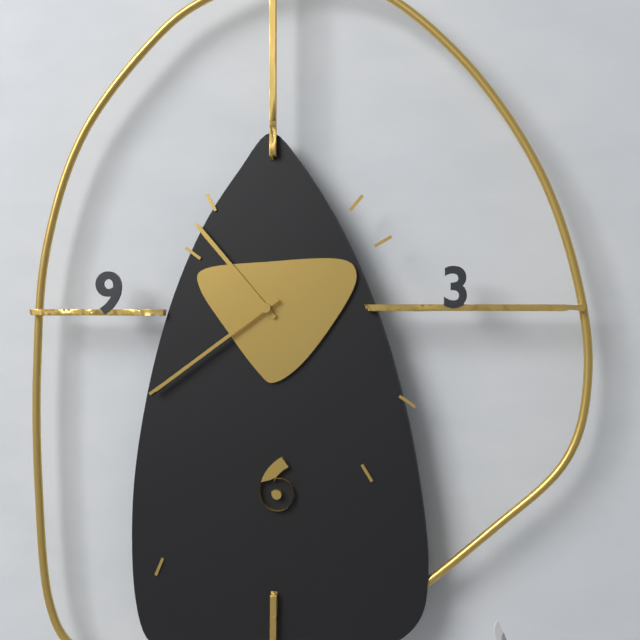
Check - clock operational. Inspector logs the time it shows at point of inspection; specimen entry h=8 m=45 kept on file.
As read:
h=10 m=39
